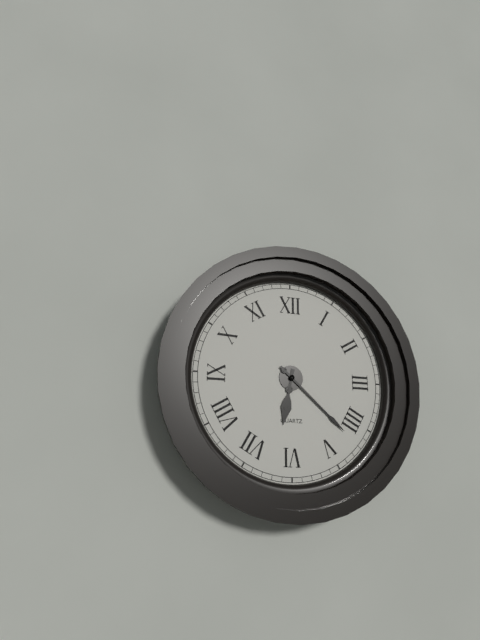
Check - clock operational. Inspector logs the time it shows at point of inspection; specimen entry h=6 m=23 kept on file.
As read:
h=6 m=22
